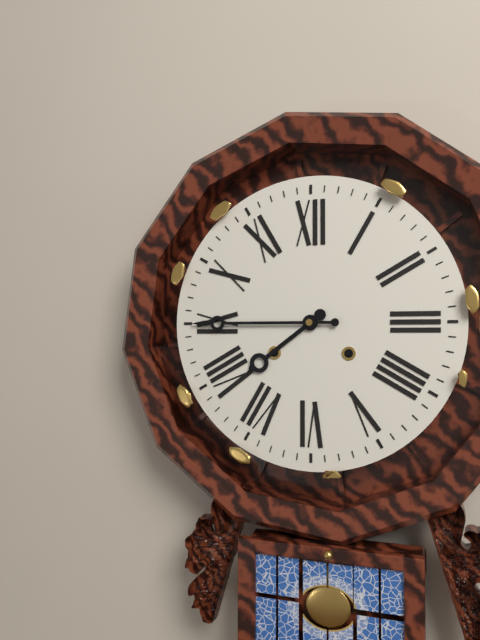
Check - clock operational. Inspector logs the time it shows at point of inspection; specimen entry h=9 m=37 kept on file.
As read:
h=7 m=45
